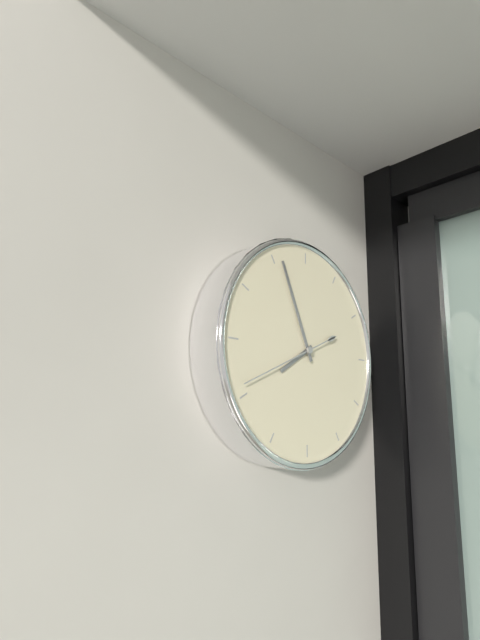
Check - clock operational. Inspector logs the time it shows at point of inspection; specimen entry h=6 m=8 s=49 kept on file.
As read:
h=7 m=56 s=41
